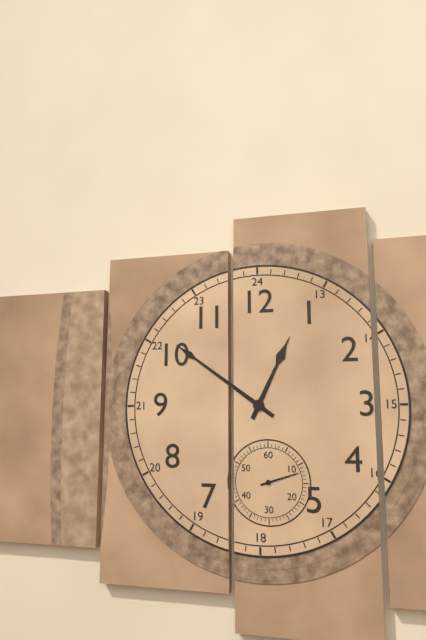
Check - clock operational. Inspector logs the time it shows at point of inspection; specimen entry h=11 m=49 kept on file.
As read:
h=12 m=51
